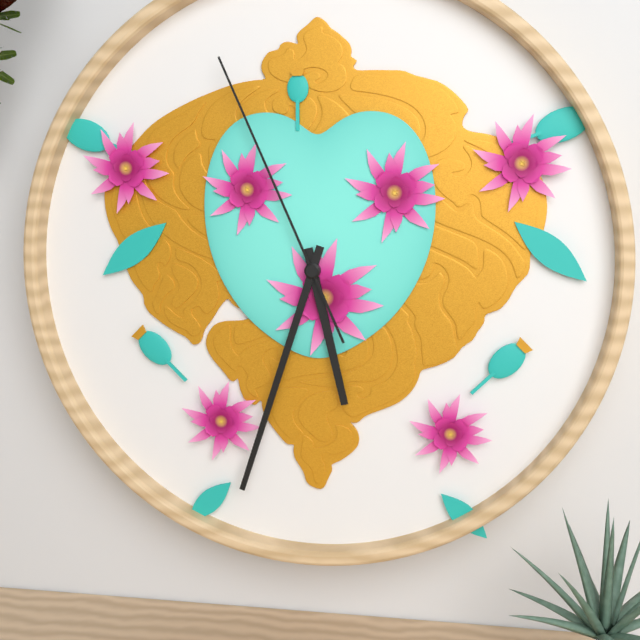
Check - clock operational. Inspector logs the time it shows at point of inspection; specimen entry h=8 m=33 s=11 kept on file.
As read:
h=5 m=33 s=56
